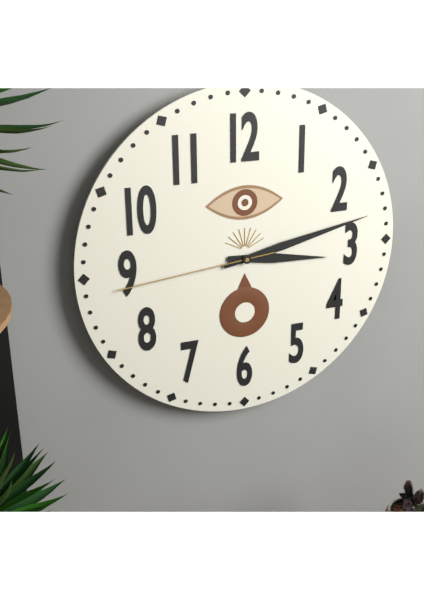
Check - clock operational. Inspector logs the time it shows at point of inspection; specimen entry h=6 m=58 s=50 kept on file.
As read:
h=3 m=13 s=44
